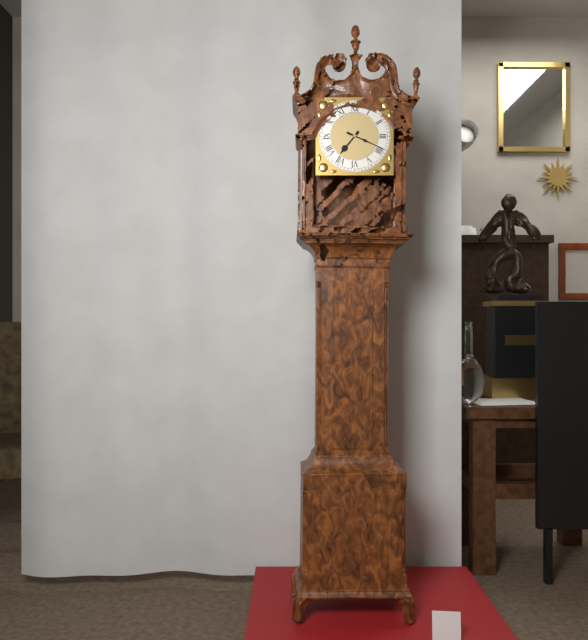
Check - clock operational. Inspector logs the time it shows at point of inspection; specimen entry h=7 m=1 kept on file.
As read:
h=7 m=19
